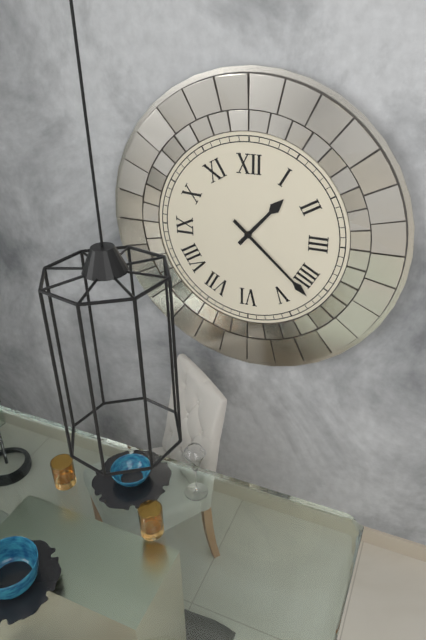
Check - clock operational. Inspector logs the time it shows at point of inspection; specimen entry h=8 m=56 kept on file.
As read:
h=1 m=22
